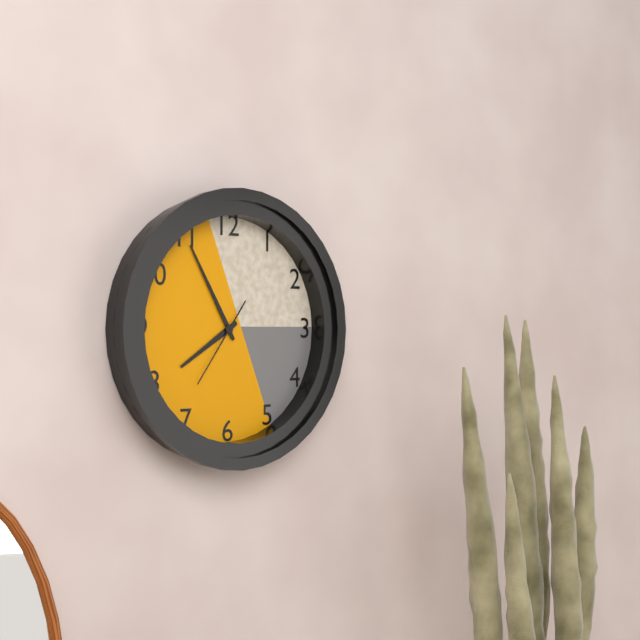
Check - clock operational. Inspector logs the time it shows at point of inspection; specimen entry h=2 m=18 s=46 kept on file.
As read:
h=7 m=55 s=36
